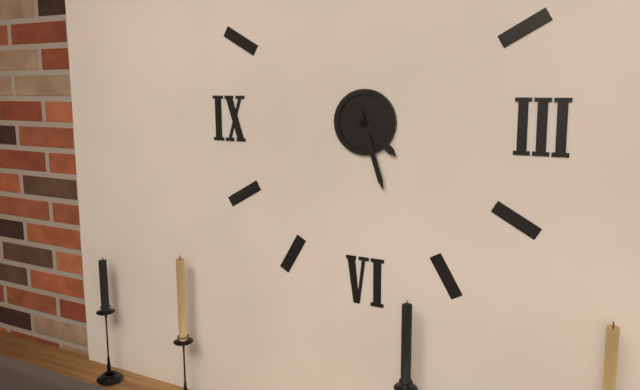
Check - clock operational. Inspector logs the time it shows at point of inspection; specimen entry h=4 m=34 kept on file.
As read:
h=4 m=27
